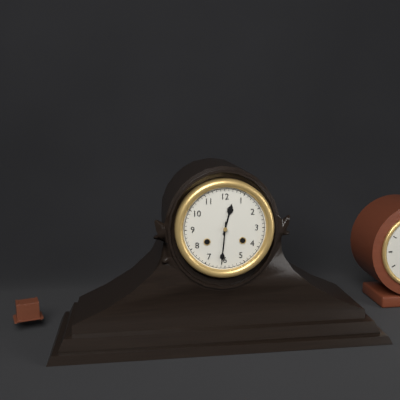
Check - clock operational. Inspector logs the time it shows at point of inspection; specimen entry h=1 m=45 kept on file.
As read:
h=12 m=31
